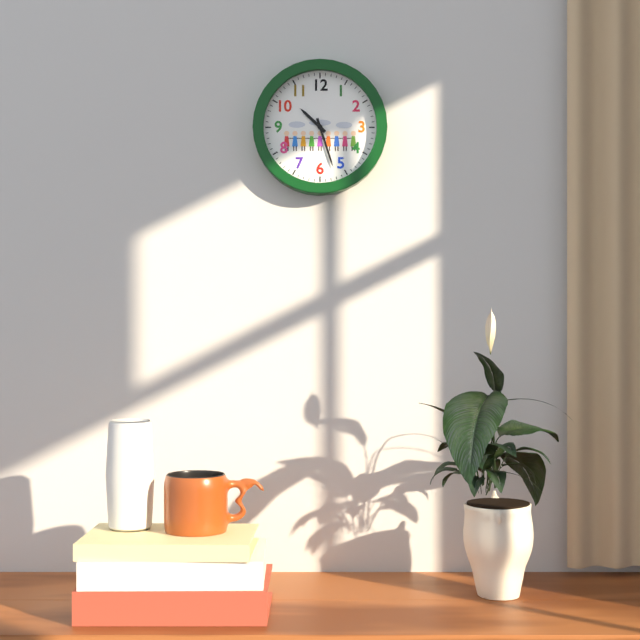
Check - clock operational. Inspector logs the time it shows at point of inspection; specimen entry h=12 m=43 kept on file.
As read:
h=10 m=27
